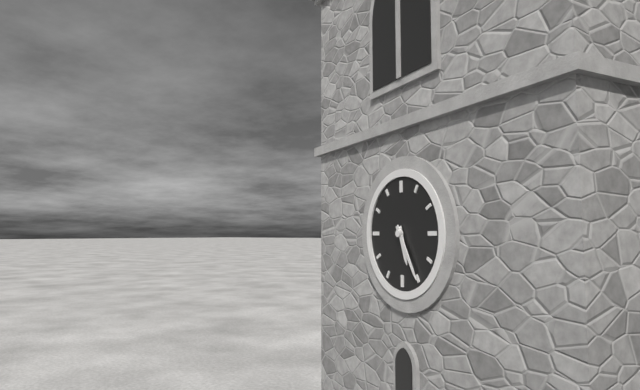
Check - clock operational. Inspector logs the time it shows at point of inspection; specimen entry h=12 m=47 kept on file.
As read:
h=5 m=25
